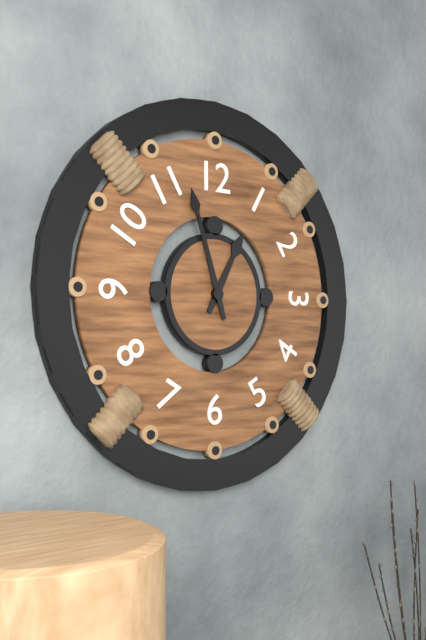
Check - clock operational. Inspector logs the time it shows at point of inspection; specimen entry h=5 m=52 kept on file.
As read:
h=12 m=57
